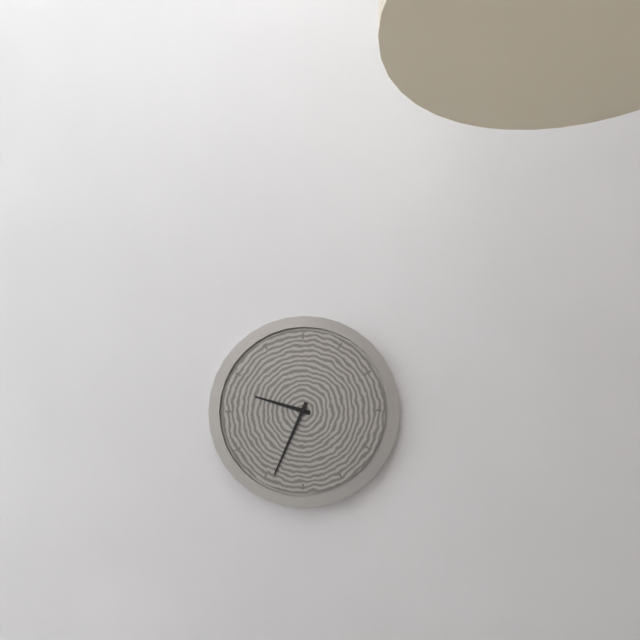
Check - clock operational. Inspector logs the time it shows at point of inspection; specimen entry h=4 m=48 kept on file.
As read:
h=9 m=34
